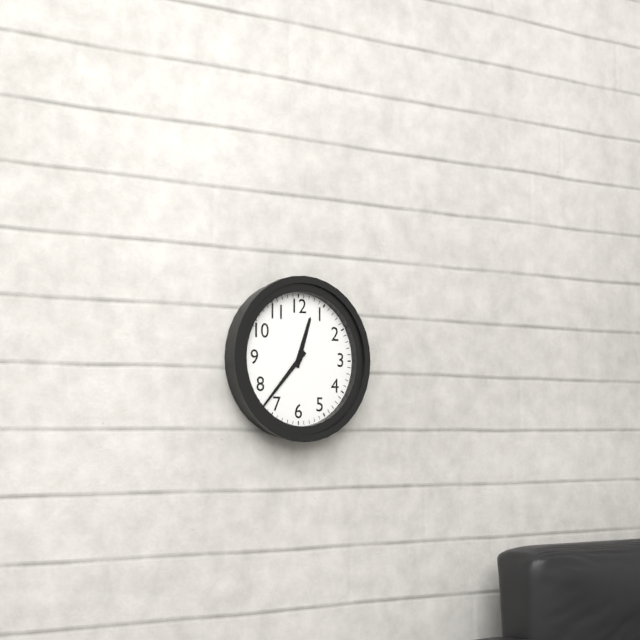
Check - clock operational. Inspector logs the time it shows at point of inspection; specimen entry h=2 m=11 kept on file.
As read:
h=12 m=37
